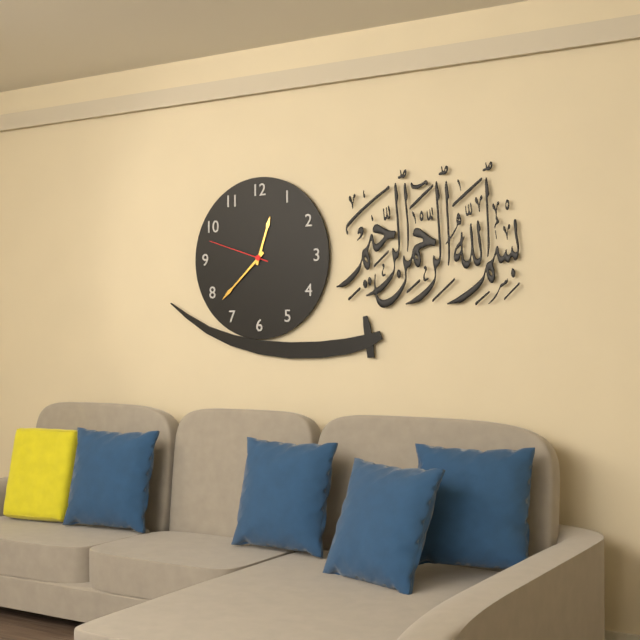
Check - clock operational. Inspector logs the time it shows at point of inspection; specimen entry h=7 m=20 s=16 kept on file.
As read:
h=12 m=38 s=48
